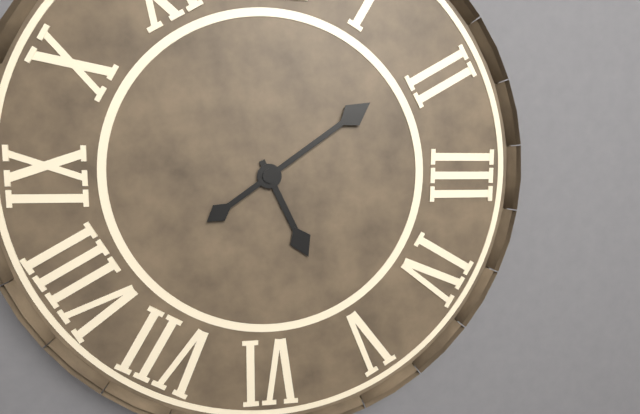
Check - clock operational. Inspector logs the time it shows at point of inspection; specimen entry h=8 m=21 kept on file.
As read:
h=5 m=9
